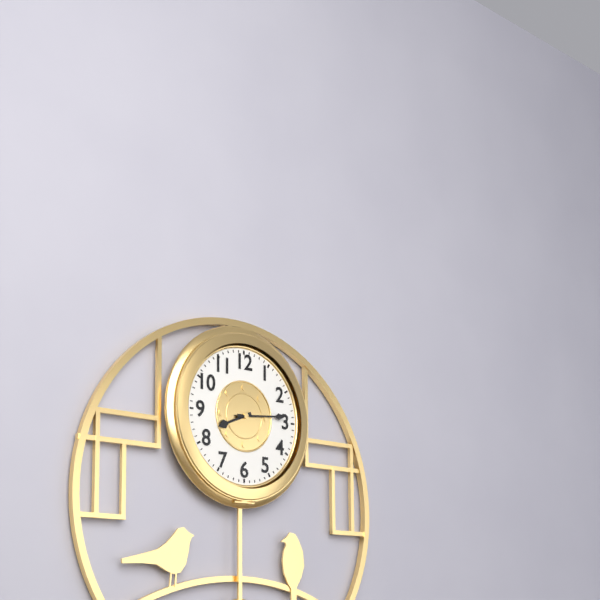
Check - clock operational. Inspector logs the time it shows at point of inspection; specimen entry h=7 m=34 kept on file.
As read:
h=8 m=14
